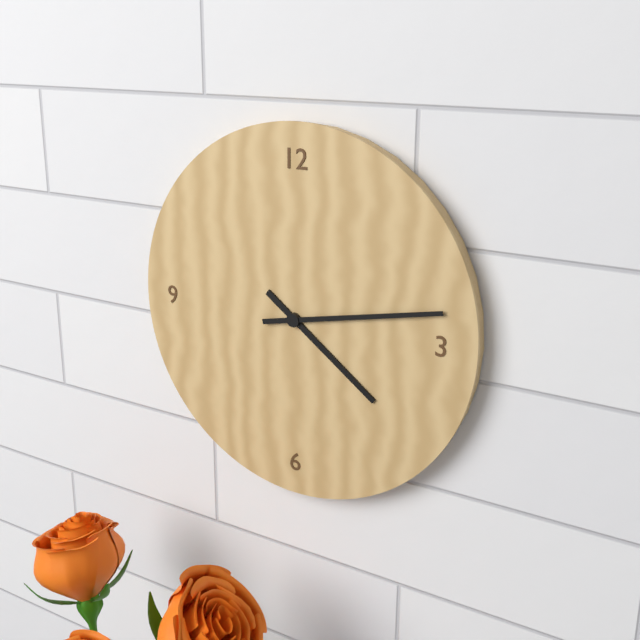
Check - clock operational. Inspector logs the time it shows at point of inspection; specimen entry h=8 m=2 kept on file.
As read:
h=4 m=13
